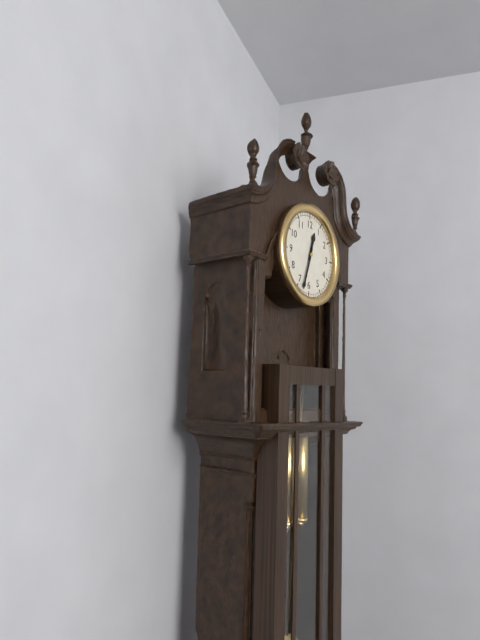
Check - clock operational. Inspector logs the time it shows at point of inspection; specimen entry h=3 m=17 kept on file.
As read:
h=12 m=33
